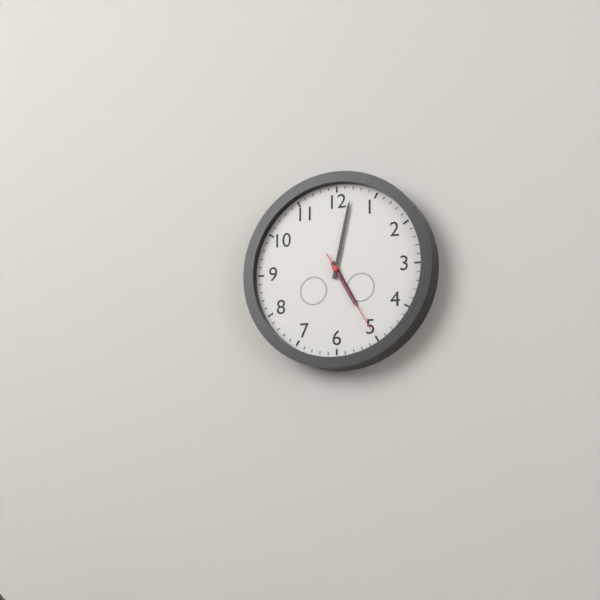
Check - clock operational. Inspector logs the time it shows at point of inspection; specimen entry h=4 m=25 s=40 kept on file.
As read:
h=5 m=2 s=25
